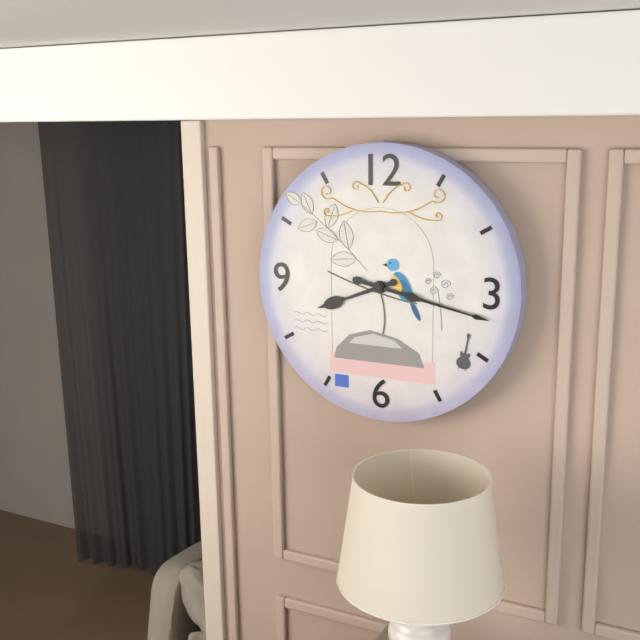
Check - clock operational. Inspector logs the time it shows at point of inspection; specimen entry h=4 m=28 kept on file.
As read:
h=8 m=17
